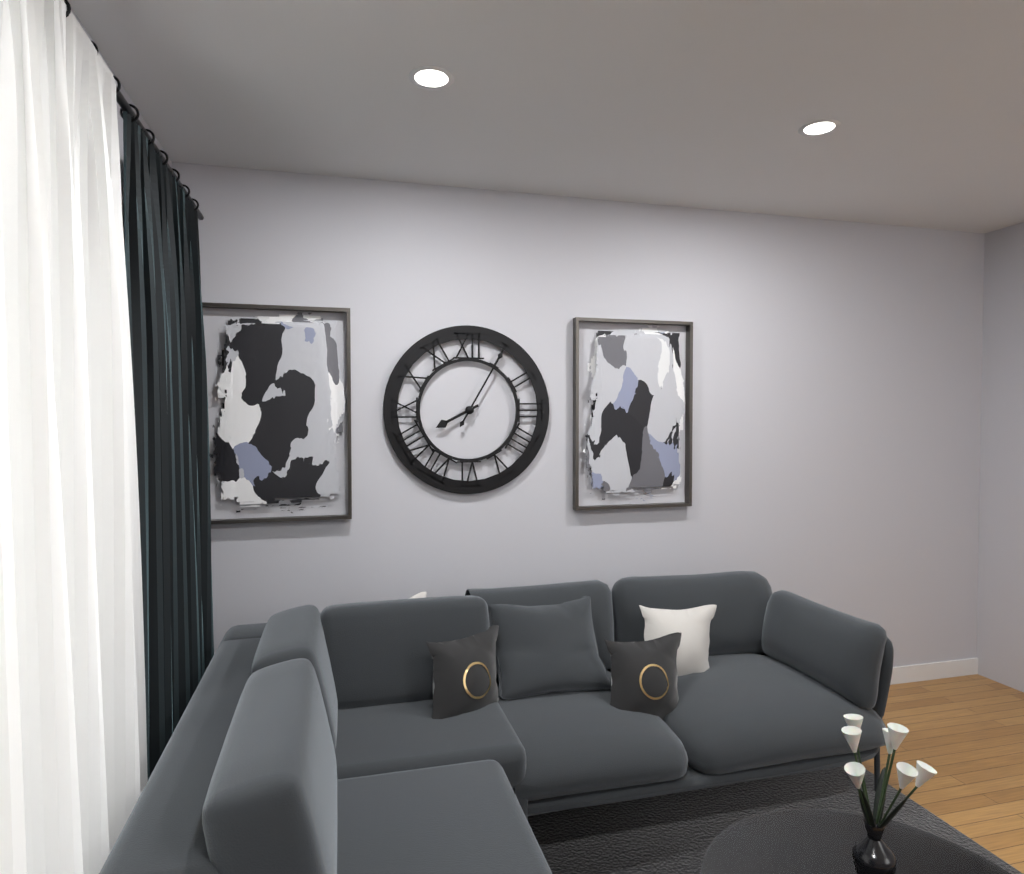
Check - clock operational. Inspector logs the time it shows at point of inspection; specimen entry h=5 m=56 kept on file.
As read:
h=8 m=5
